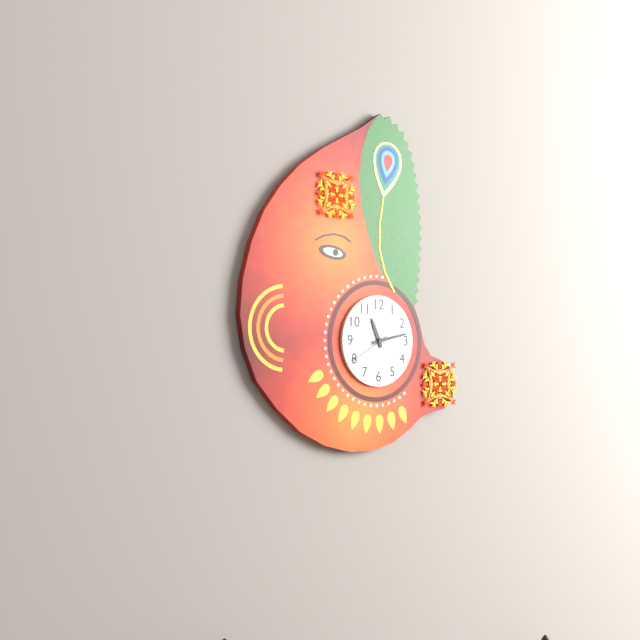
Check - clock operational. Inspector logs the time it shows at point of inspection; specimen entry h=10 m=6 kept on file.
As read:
h=11 m=13
